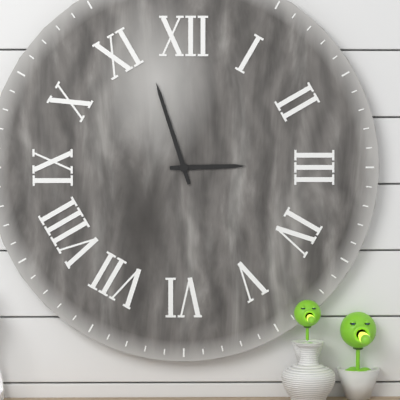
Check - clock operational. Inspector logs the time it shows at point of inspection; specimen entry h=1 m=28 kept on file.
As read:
h=2 m=57
